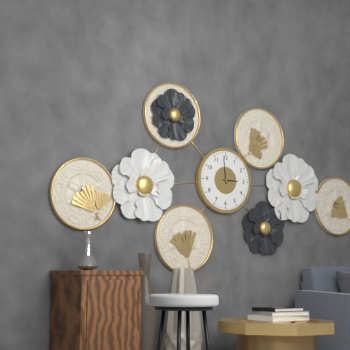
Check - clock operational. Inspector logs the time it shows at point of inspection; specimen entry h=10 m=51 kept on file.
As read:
h=2 m=59
